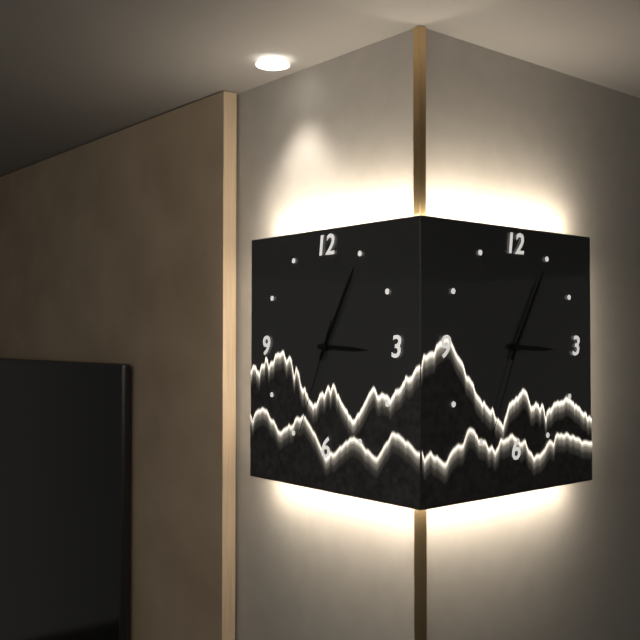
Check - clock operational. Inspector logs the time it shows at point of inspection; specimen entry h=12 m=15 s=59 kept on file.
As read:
h=3 m=5 s=34
